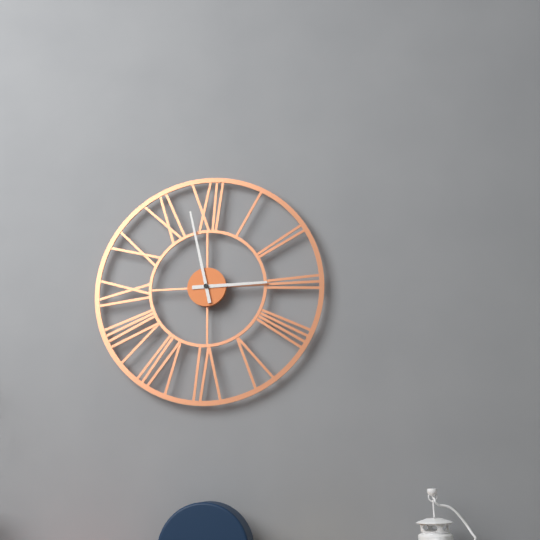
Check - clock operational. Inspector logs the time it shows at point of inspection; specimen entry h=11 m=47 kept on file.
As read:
h=2 m=58
